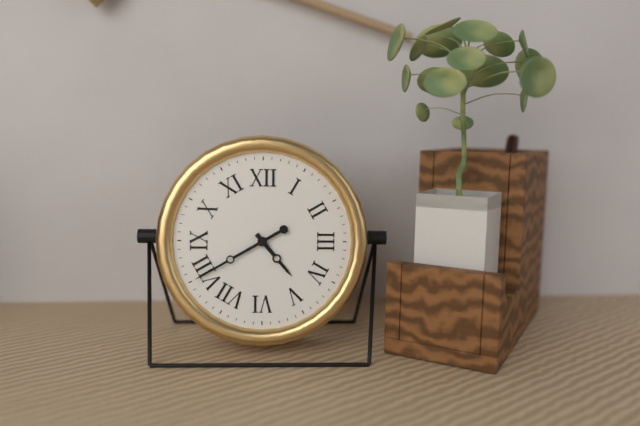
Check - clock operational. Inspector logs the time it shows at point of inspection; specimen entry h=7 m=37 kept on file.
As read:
h=4 m=40
